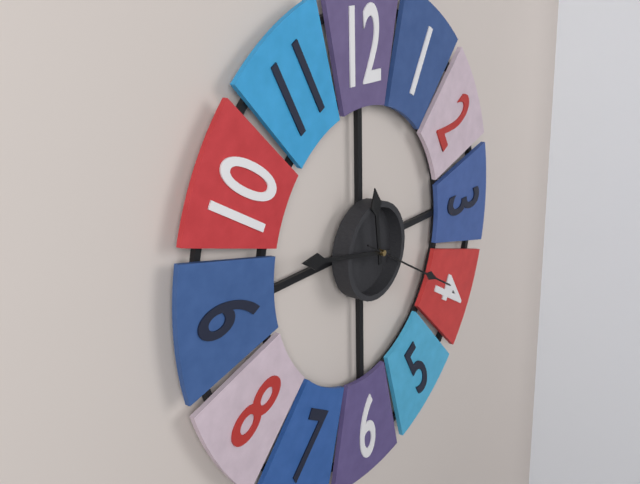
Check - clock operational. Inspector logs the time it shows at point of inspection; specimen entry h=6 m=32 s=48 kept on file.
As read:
h=11 m=47 s=20
